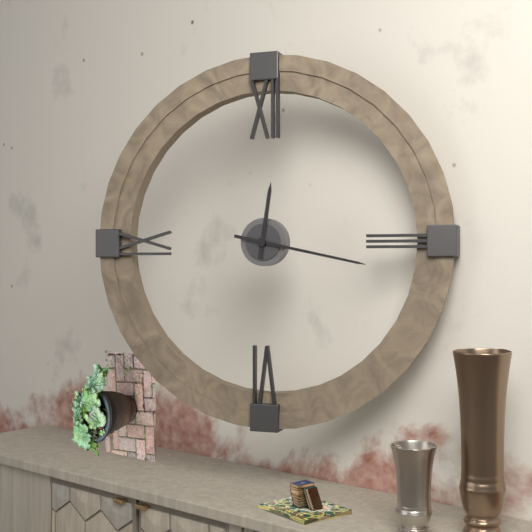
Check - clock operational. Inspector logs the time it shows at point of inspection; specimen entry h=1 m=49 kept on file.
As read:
h=12 m=17
